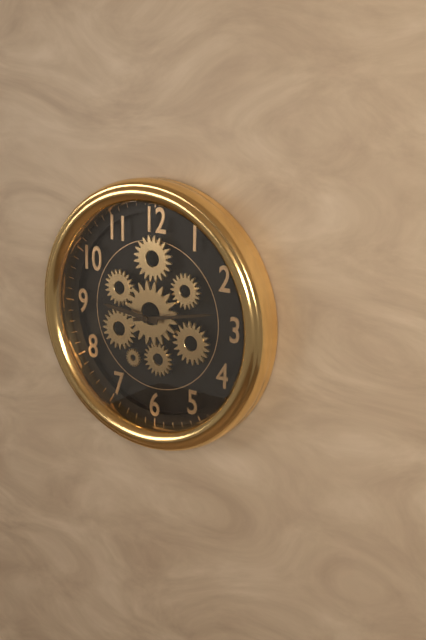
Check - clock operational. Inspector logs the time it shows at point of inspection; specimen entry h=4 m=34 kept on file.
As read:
h=9 m=13
